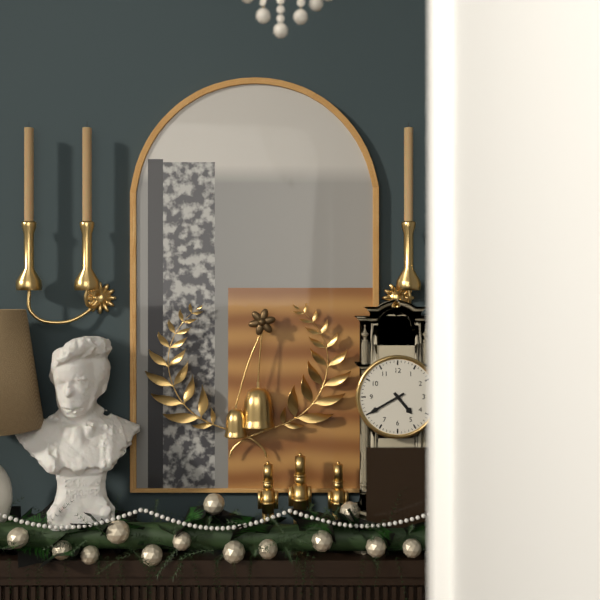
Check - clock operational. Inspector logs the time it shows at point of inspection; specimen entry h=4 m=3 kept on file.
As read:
h=4 m=40
